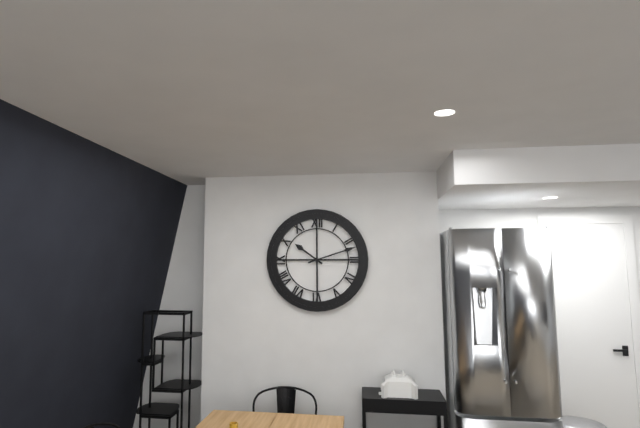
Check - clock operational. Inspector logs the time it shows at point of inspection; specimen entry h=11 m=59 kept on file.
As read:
h=10 m=12
